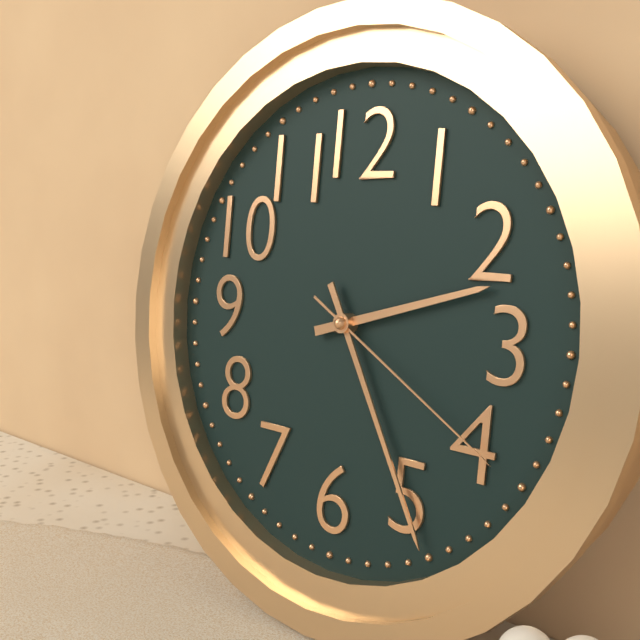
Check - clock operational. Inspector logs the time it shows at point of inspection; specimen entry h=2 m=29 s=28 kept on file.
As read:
h=2 m=25 s=20
